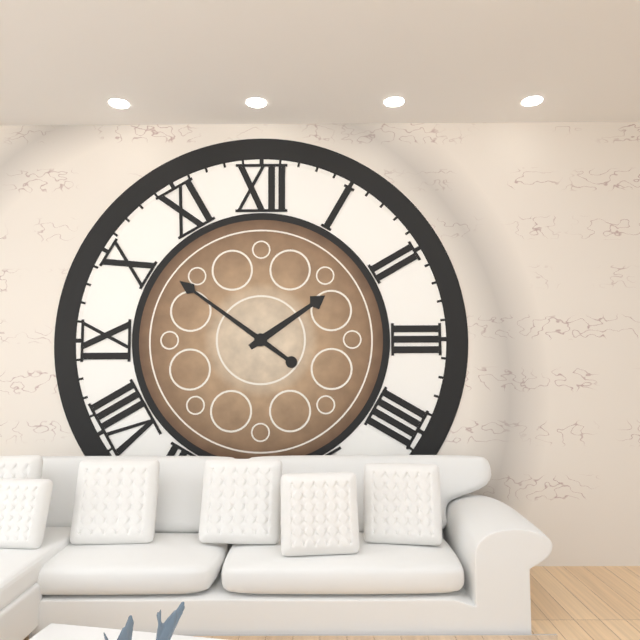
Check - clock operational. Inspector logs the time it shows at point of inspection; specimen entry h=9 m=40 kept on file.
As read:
h=1 m=51
